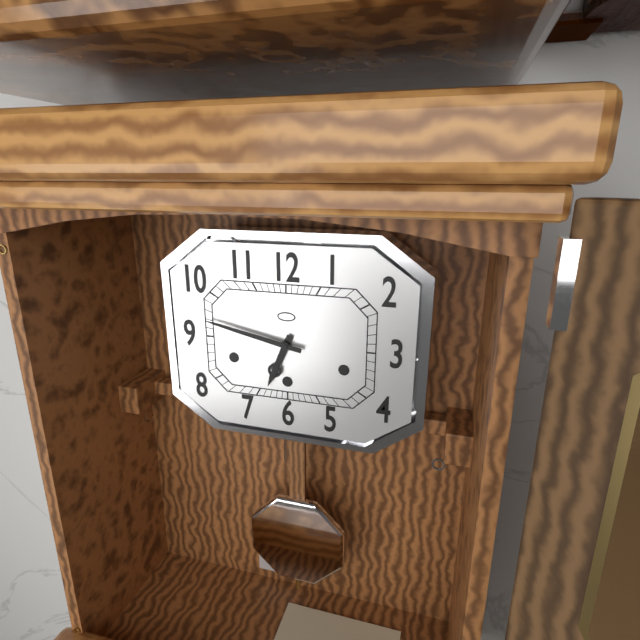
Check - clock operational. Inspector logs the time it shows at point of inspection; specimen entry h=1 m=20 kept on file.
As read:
h=6 m=47
